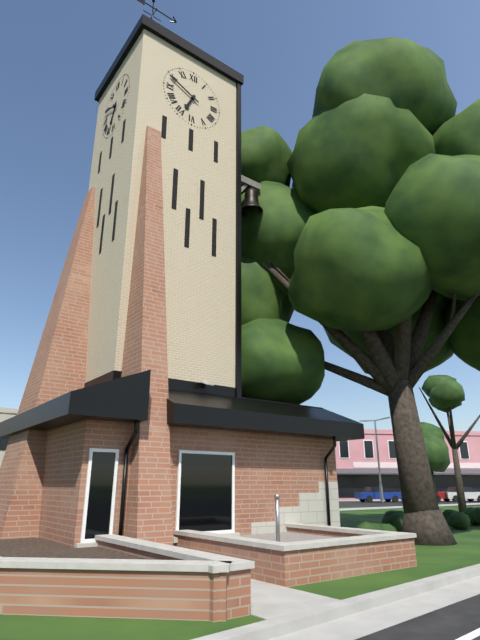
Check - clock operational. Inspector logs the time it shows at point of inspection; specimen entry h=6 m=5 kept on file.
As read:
h=6 m=49
